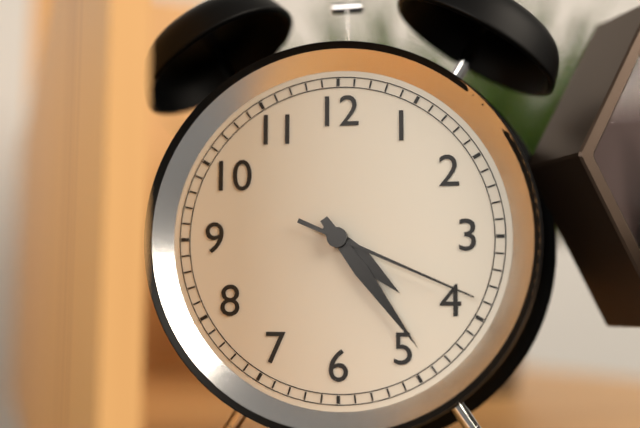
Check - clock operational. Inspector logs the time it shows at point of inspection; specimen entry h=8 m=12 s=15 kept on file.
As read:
h=4 m=24 s=19
